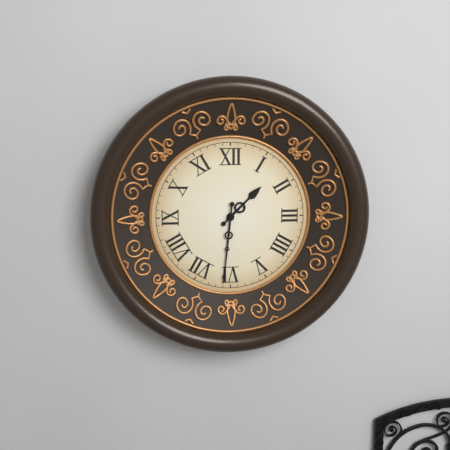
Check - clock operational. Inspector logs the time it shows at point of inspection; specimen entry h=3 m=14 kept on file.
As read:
h=1 m=31
